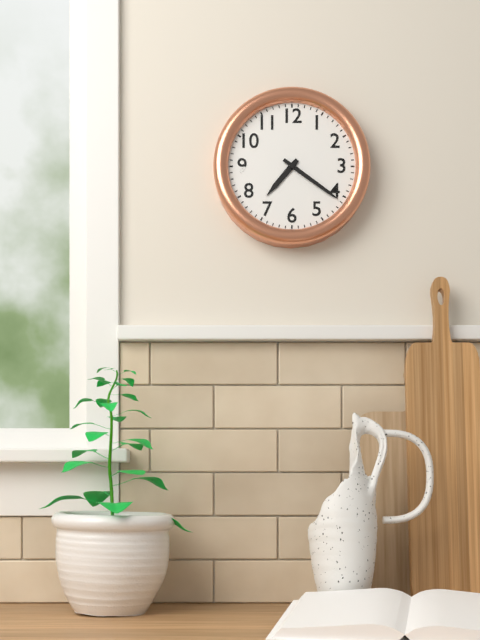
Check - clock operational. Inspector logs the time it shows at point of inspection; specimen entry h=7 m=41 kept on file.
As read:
h=7 m=21
